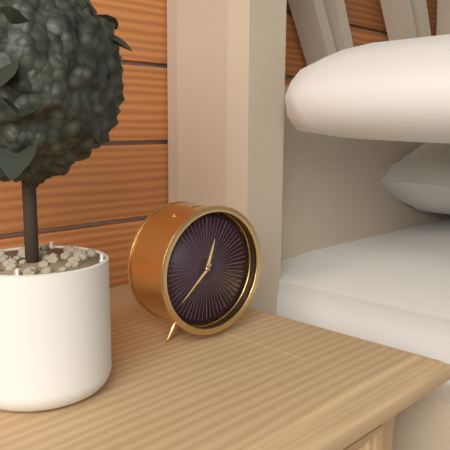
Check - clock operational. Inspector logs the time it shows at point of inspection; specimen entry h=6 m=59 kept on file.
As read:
h=12 m=38
